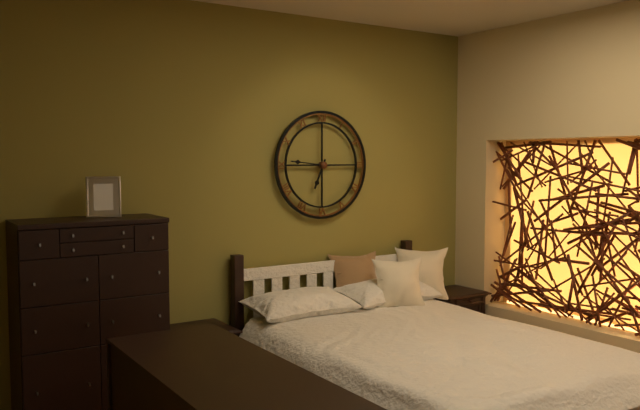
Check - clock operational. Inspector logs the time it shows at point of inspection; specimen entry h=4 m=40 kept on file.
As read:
h=6 m=46
